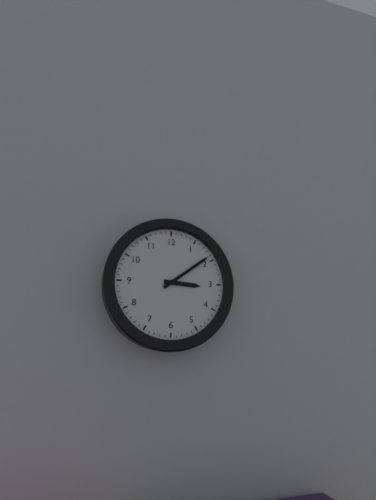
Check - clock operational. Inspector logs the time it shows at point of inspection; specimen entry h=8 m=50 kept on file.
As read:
h=3 m=9
